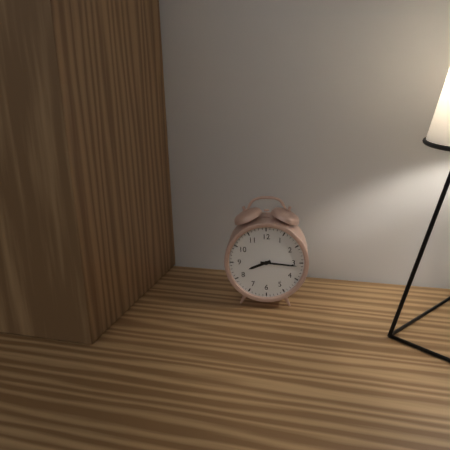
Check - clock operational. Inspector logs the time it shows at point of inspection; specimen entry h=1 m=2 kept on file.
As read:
h=8 m=16
